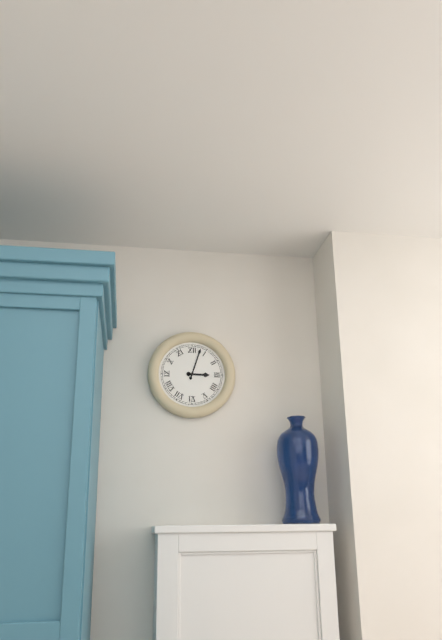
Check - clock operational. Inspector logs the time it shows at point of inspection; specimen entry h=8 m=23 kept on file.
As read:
h=3 m=3
